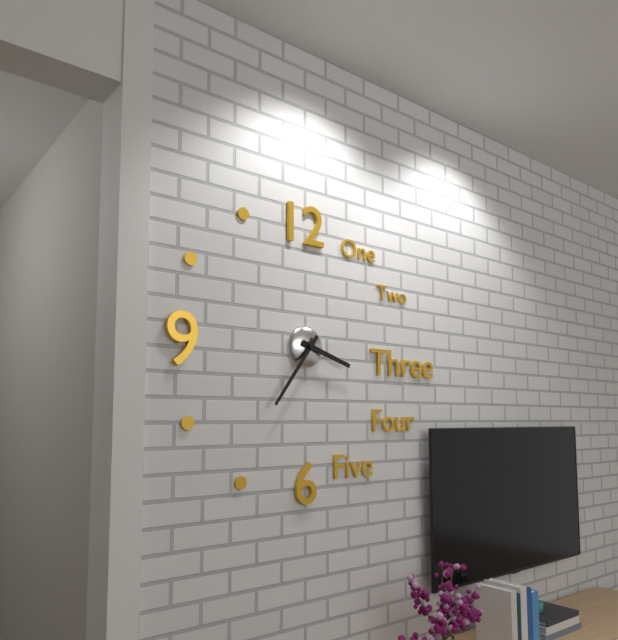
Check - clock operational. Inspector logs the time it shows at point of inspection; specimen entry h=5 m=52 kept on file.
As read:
h=3 m=36
